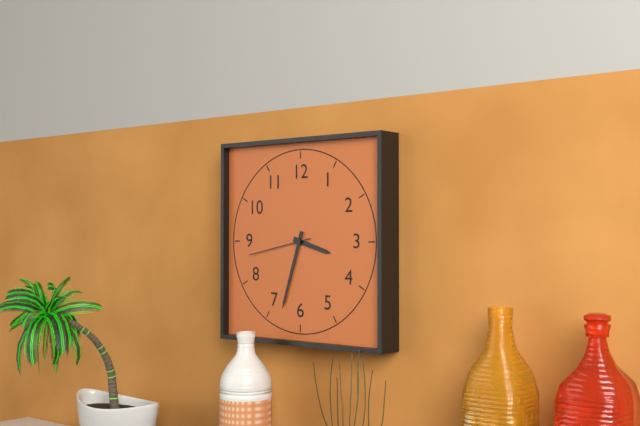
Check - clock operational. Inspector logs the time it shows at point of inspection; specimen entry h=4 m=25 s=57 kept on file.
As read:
h=3 m=33 s=43
